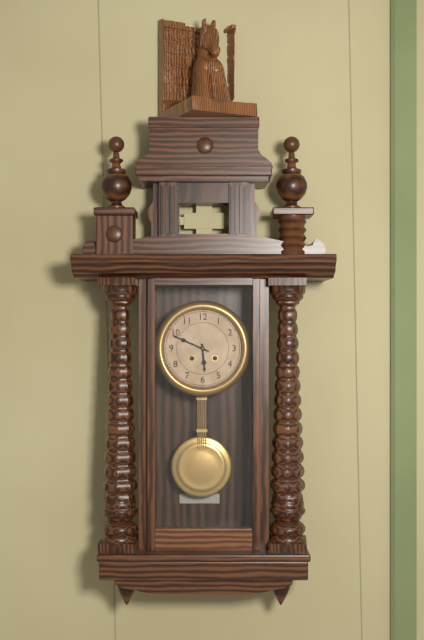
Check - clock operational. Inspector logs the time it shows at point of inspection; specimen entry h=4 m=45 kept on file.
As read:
h=5 m=49
